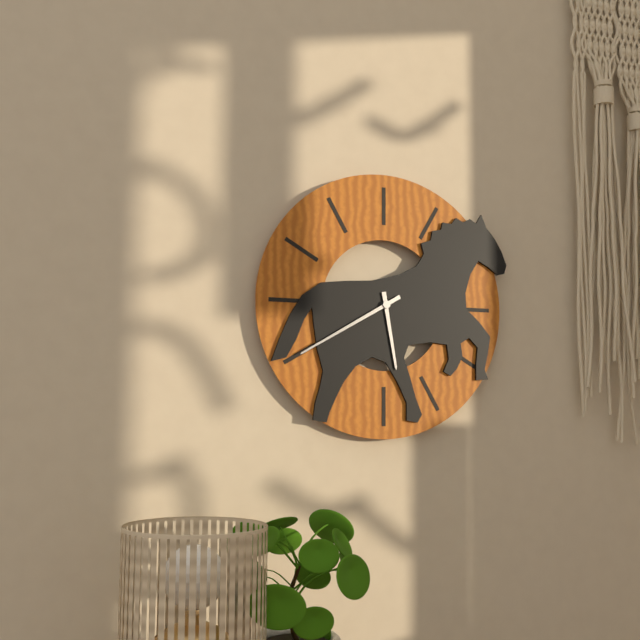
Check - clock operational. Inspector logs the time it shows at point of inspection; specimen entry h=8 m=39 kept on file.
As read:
h=5 m=40
